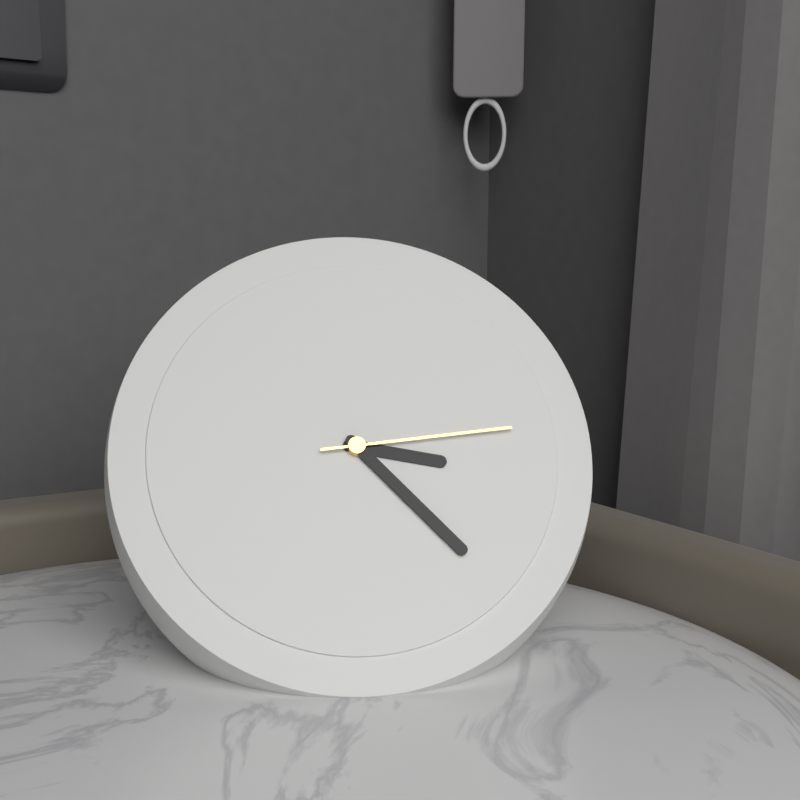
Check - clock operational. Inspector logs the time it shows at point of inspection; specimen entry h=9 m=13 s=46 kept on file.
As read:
h=3 m=23 s=14
